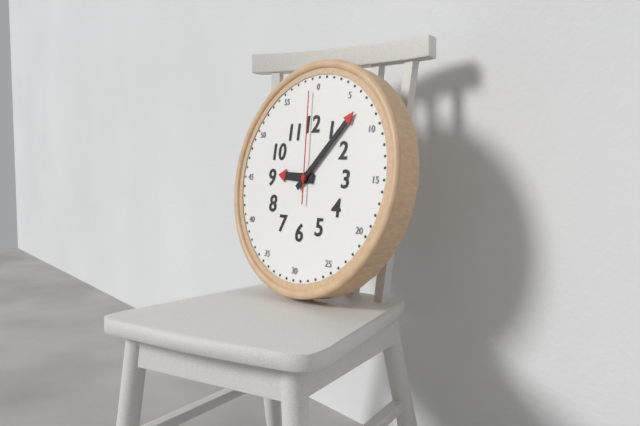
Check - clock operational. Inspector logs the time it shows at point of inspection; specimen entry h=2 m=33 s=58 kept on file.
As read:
h=9 m=7 s=59
